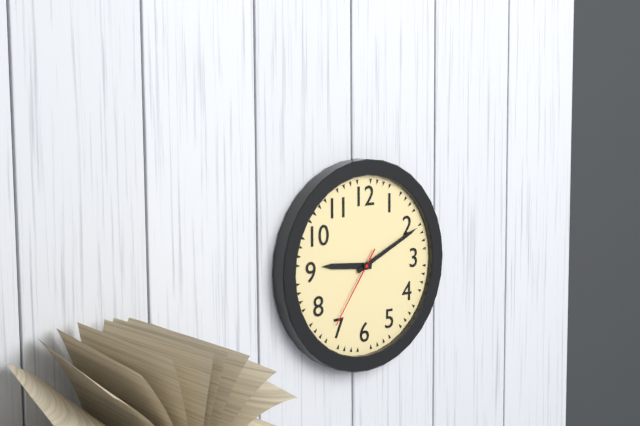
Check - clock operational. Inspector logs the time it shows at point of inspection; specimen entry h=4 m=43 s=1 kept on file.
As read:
h=9 m=11 s=36
